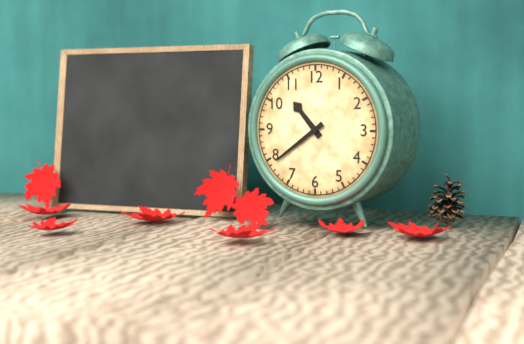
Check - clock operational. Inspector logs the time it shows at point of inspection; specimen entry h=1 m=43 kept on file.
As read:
h=10 m=39
